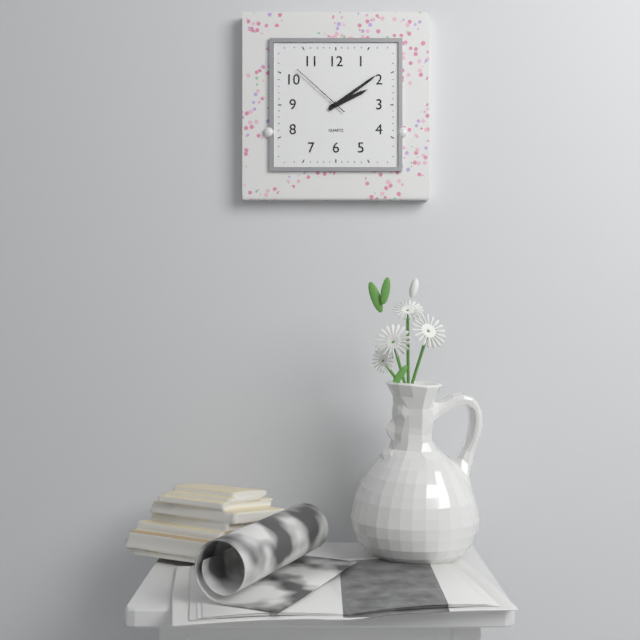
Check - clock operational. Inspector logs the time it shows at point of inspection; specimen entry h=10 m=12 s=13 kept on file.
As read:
h=2 m=9 s=52
